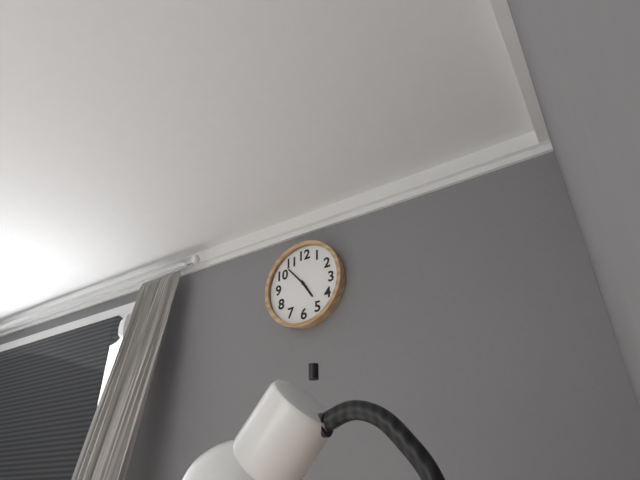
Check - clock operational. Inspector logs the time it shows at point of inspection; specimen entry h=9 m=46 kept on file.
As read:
h=4 m=53
